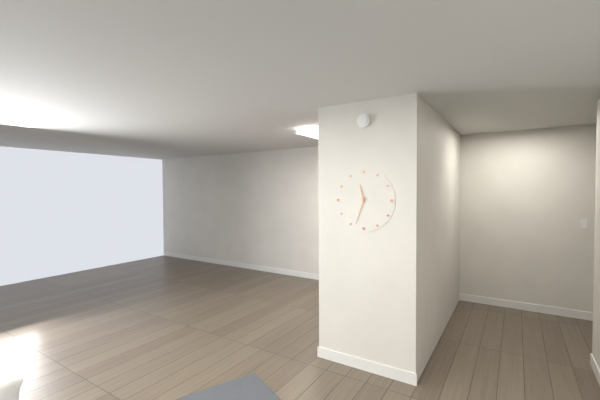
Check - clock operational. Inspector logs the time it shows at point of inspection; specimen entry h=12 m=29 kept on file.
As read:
h=11 m=33
